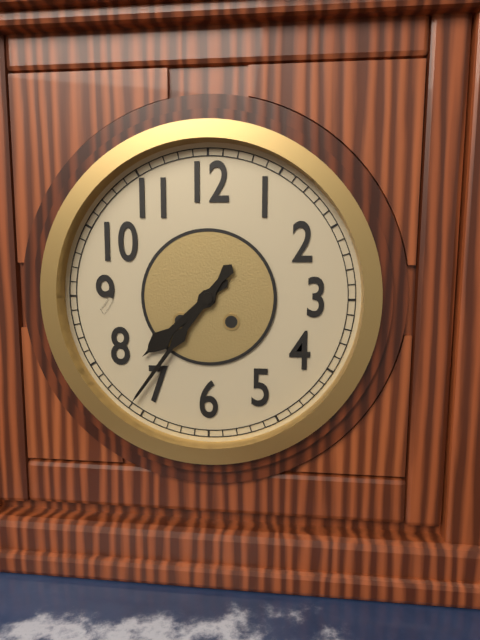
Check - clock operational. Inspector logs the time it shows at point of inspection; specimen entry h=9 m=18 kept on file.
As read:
h=7 m=36
